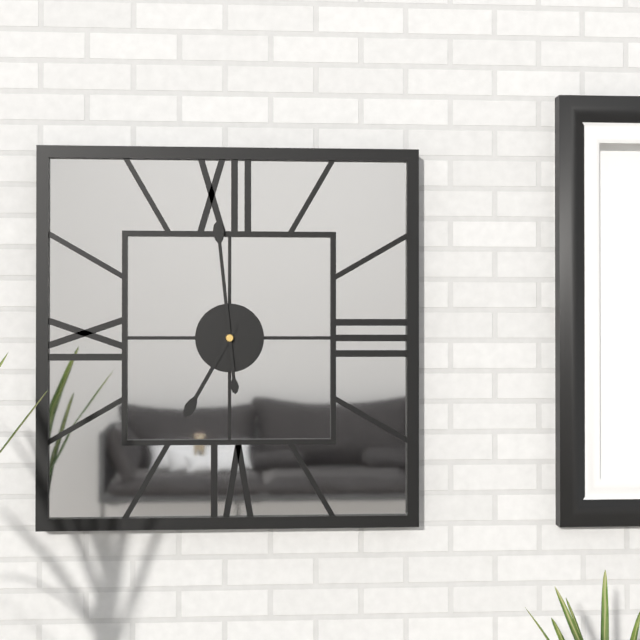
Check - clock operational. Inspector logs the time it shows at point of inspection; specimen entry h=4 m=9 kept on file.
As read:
h=6 m=59
